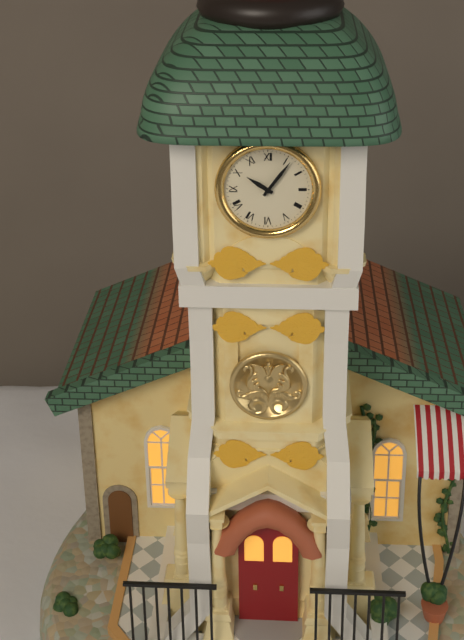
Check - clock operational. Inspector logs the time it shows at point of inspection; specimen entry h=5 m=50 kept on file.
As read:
h=10 m=6
